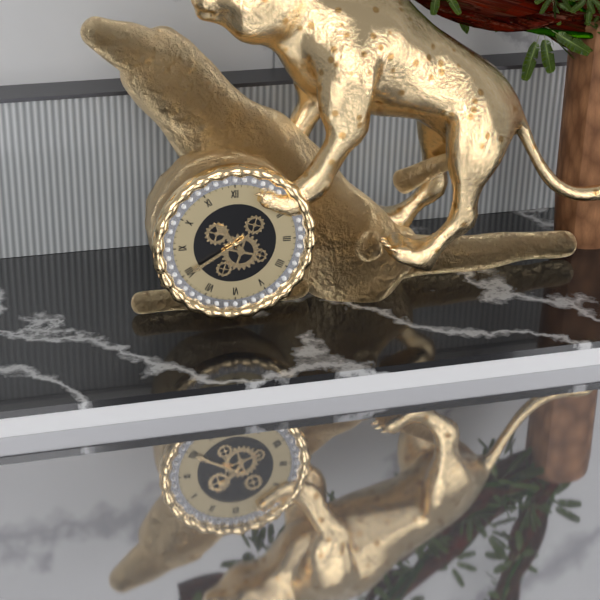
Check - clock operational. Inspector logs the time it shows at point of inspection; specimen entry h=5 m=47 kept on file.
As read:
h=10 m=40
